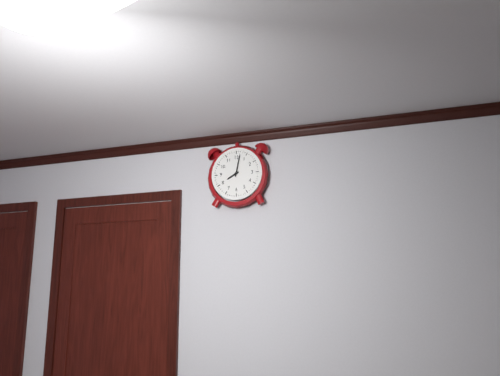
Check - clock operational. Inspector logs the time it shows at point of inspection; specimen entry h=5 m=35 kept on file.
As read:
h=8 m=2
